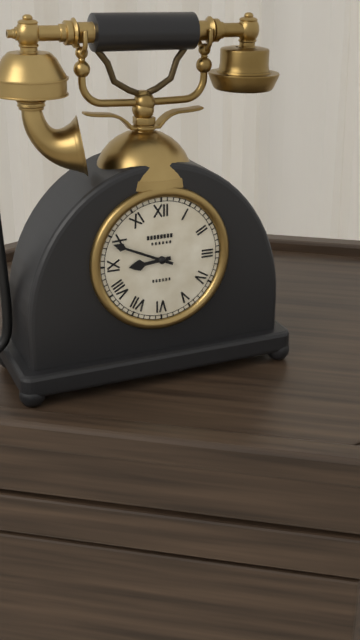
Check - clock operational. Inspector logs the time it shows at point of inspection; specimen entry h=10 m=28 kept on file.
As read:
h=8 m=49
